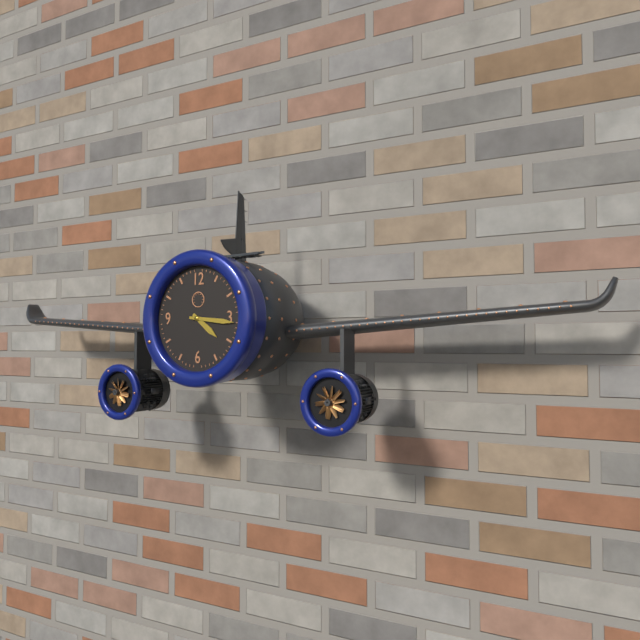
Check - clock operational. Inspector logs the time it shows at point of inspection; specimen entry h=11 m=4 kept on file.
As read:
h=4 m=16
